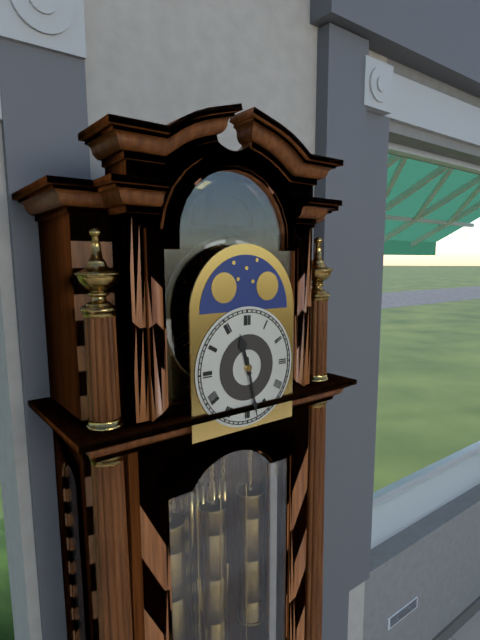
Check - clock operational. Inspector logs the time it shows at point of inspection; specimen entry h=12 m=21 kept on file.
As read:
h=11 m=28
